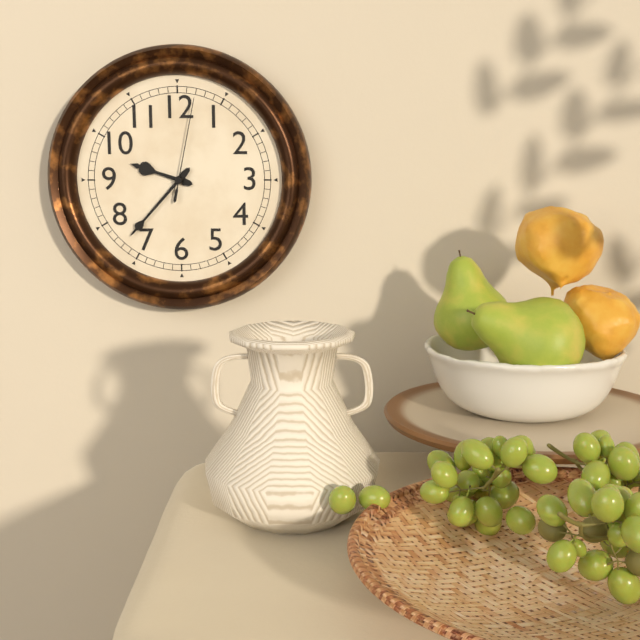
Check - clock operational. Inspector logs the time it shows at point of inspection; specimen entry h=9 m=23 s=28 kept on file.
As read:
h=9 m=37 s=2
